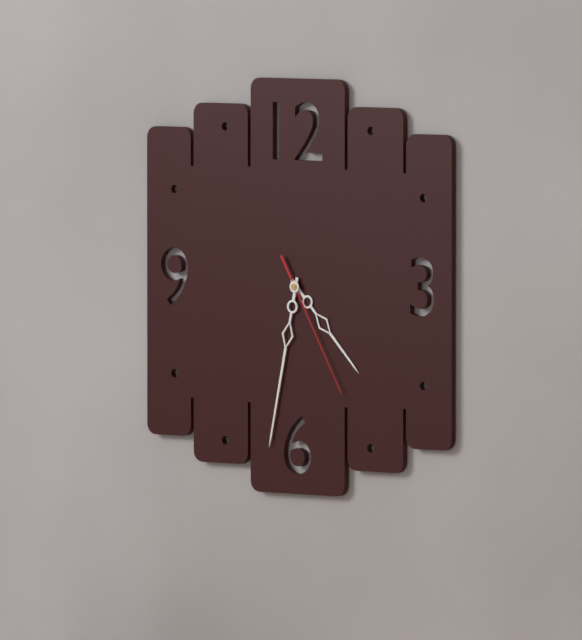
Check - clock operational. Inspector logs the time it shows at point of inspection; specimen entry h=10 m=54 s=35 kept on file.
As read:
h=4 m=32 s=25
